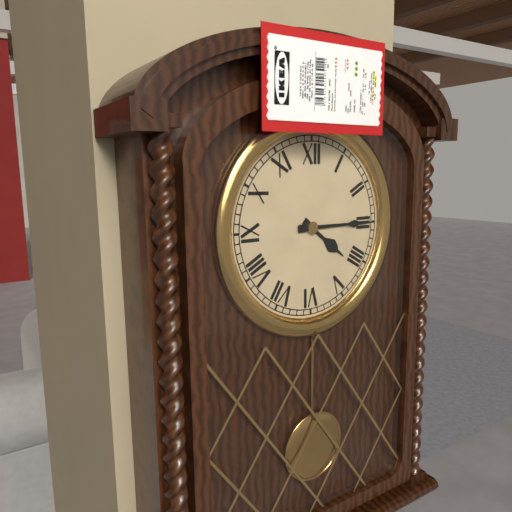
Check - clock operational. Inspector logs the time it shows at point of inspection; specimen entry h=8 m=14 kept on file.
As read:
h=4 m=15
